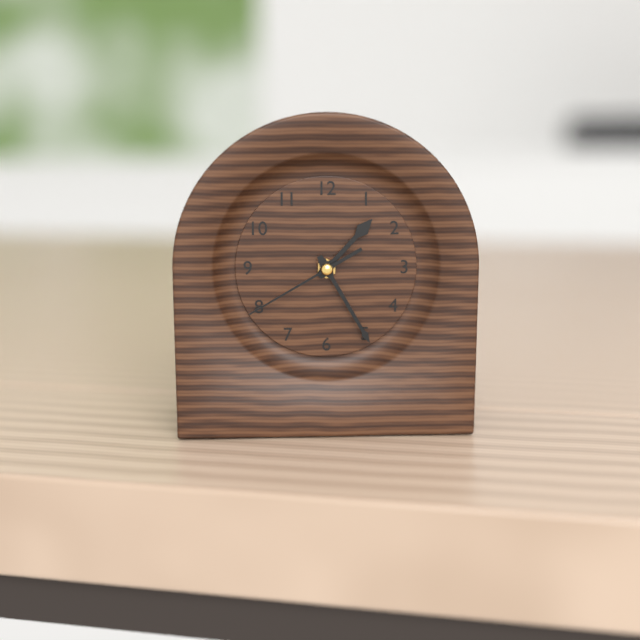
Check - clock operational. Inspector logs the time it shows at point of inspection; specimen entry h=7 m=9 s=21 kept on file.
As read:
h=1 m=25 s=40
